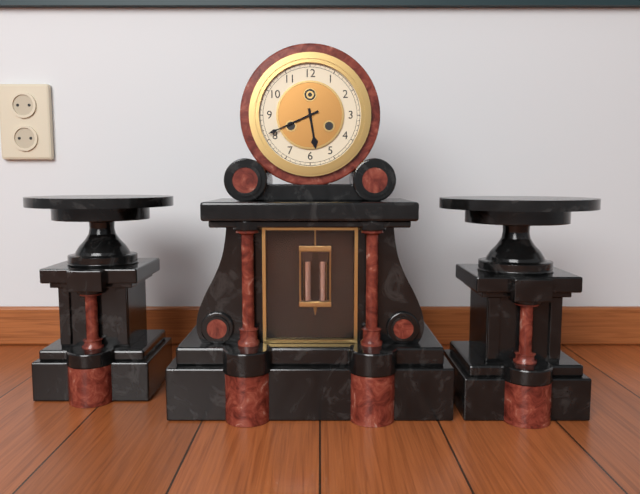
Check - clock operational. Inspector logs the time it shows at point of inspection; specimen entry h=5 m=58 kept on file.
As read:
h=5 m=41
